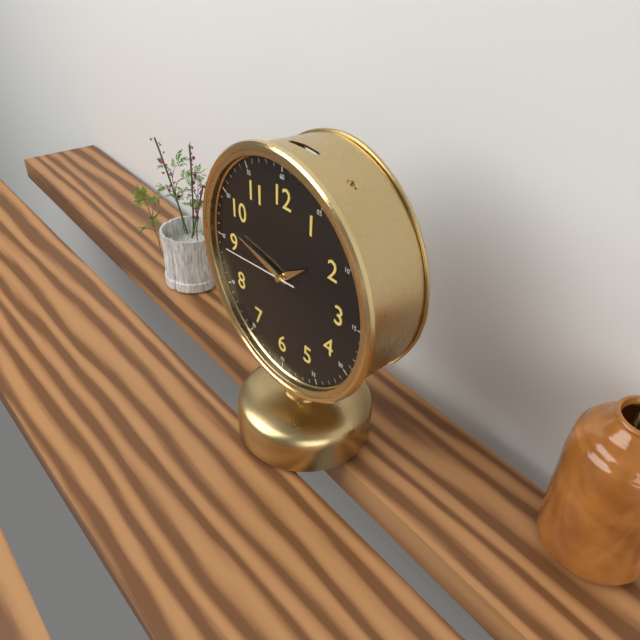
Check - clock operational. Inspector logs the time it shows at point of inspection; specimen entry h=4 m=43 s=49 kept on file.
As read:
h=1 m=47 s=44
